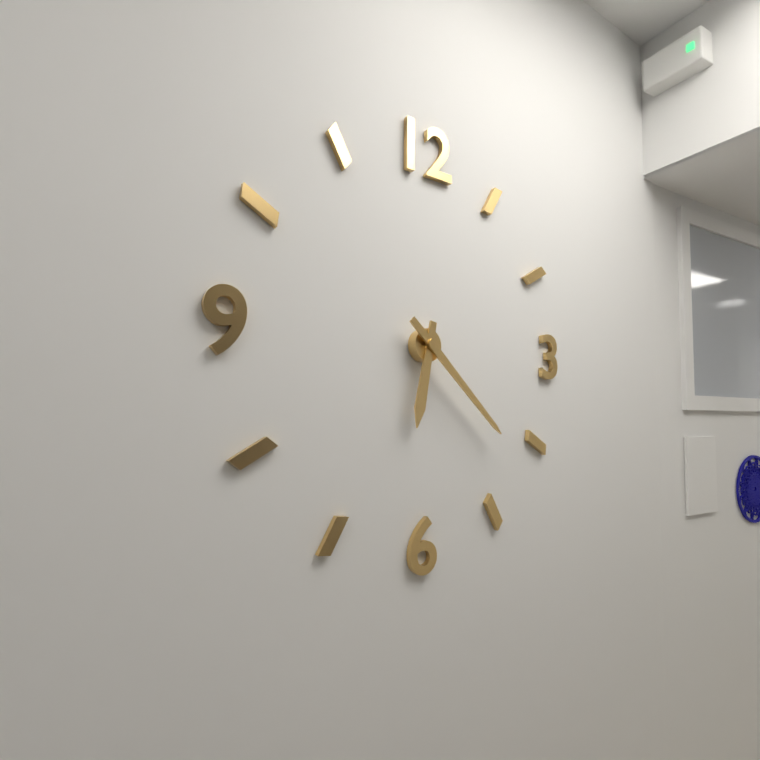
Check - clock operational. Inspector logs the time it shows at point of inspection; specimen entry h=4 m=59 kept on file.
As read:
h=6 m=22
